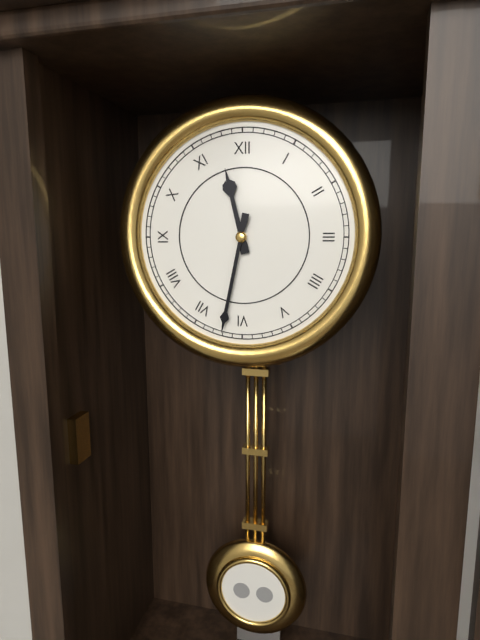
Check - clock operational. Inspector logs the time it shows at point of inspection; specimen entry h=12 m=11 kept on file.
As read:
h=11 m=32
